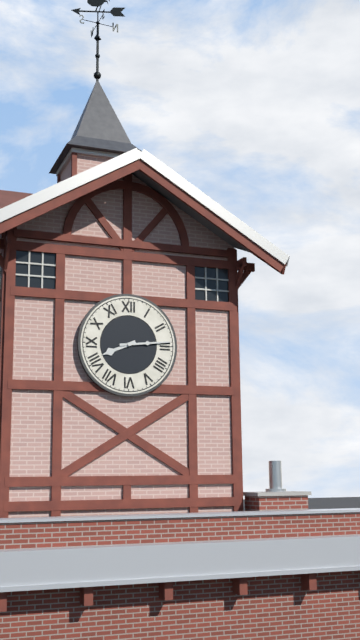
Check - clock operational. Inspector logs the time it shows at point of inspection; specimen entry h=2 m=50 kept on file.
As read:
h=8 m=14
